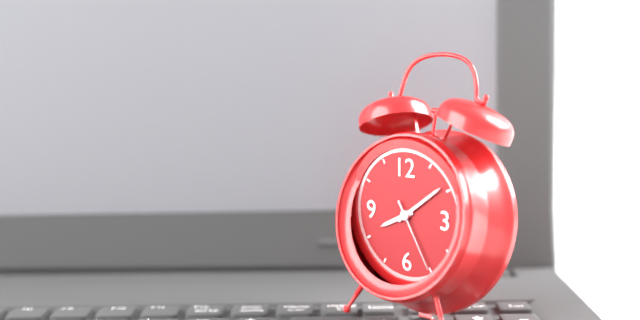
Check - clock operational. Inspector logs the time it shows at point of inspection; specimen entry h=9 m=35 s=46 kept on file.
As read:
h=8 m=9 s=25
